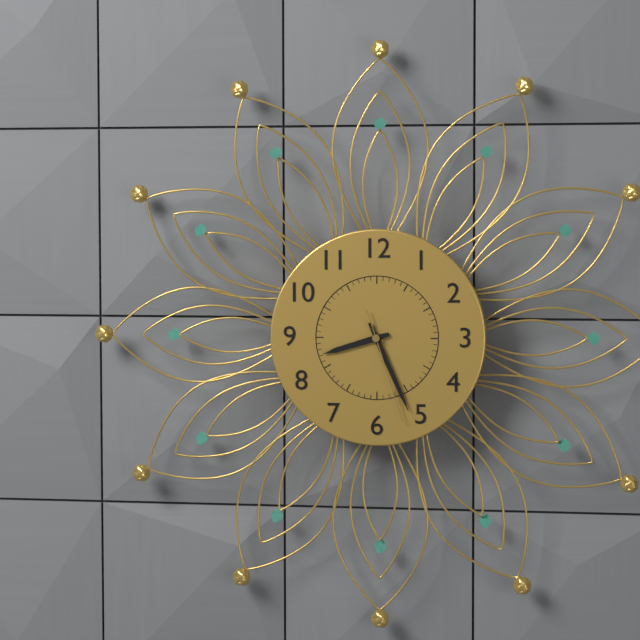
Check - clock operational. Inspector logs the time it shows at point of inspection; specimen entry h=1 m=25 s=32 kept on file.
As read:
h=8 m=26 s=27
